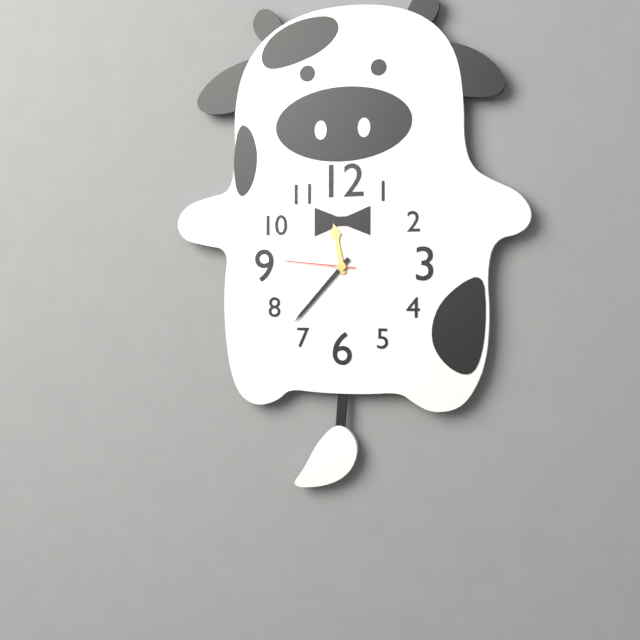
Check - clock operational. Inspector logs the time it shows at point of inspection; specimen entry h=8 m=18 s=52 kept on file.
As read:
h=11 m=37 s=46
